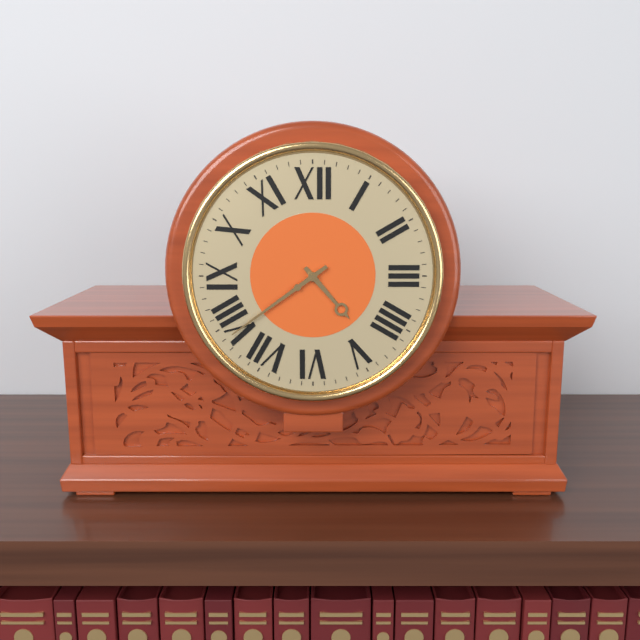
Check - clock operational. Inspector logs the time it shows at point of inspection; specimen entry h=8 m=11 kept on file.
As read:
h=4 m=39
